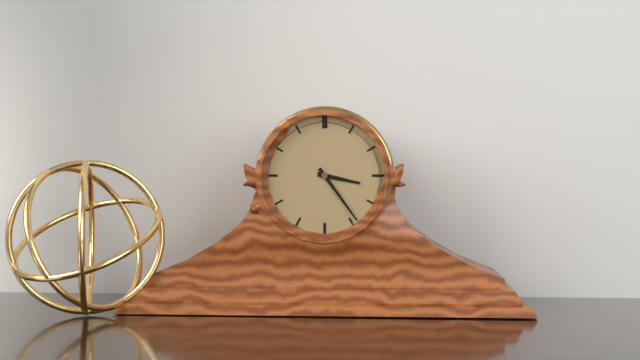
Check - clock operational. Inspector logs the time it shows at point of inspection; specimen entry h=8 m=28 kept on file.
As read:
h=3 m=24
